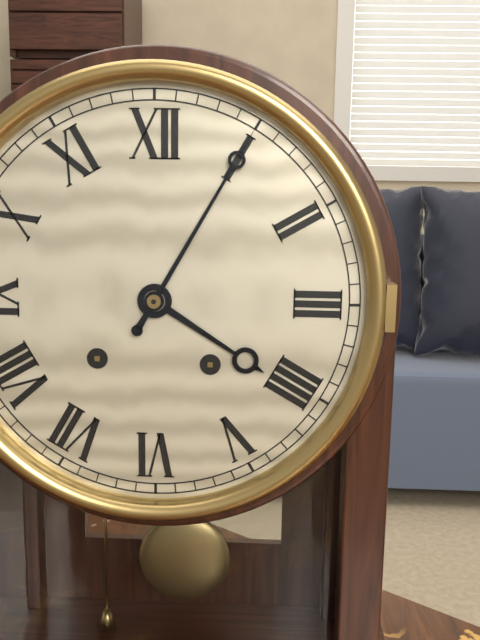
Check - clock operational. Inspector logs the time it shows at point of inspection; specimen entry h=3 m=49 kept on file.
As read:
h=4 m=5
